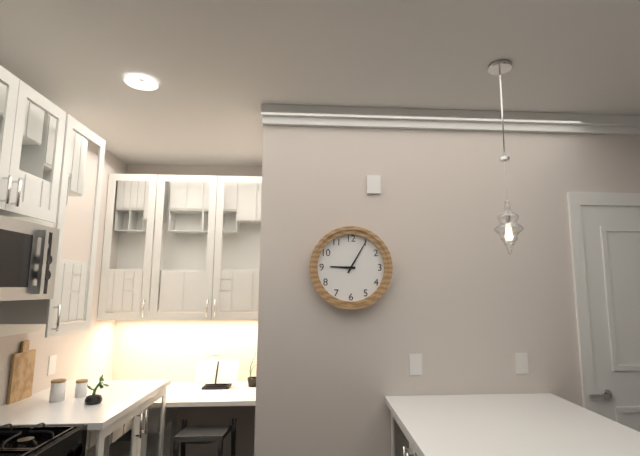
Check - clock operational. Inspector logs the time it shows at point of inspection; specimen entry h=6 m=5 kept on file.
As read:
h=9 m=5
